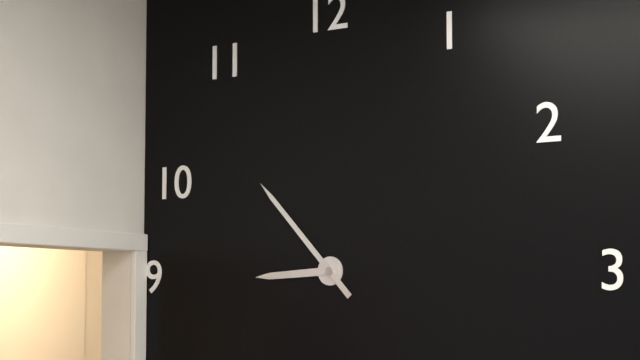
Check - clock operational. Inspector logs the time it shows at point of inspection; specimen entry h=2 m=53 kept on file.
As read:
h=8 m=53
